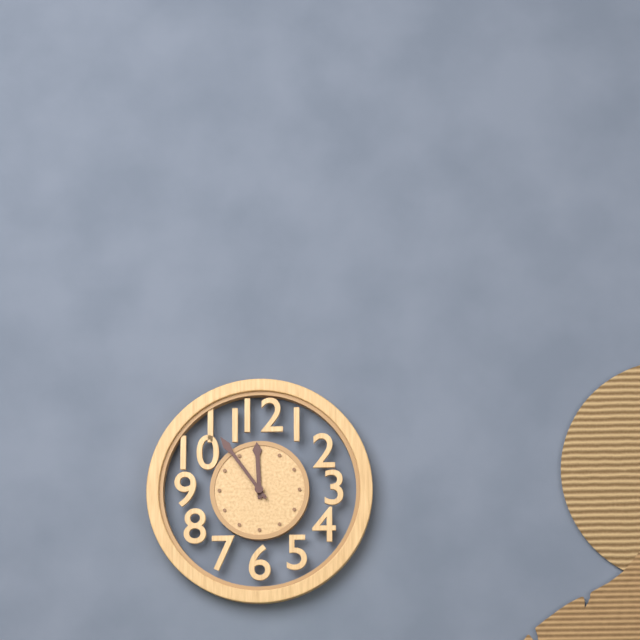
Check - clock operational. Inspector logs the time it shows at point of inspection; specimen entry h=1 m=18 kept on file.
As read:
h=11 m=54
